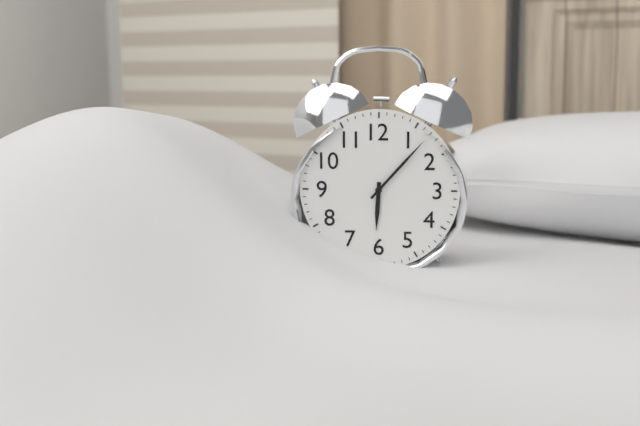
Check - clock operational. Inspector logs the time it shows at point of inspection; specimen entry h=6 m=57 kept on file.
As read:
h=6 m=7
